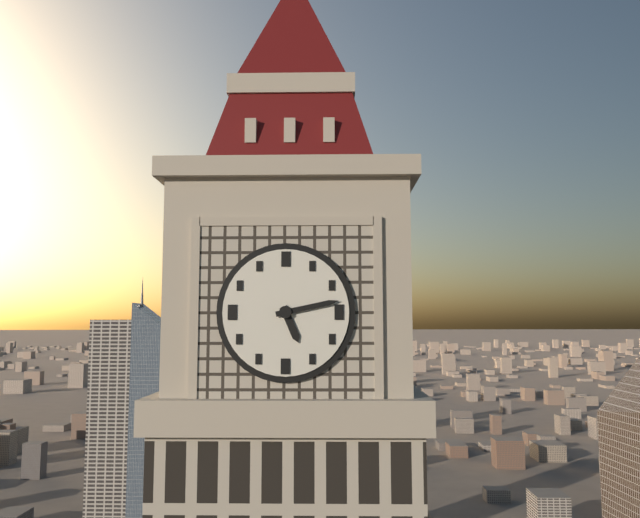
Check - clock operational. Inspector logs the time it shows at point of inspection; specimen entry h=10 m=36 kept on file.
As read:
h=5 m=13
